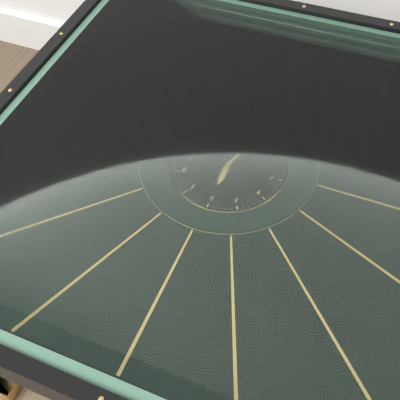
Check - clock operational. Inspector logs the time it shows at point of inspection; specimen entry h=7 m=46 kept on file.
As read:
h=6 m=3
